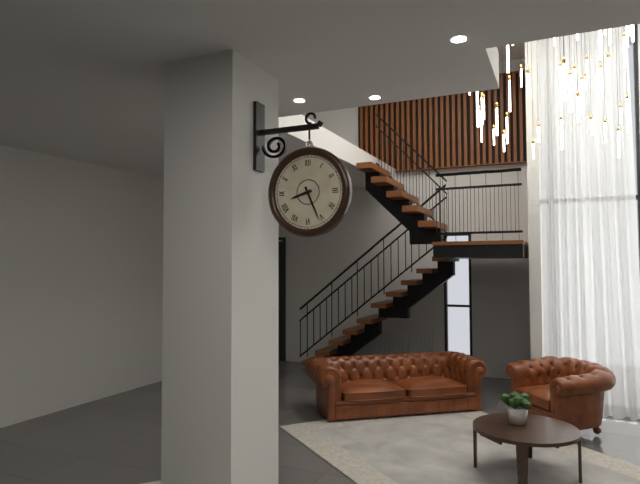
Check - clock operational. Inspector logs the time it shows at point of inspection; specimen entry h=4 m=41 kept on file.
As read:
h=8 m=26
